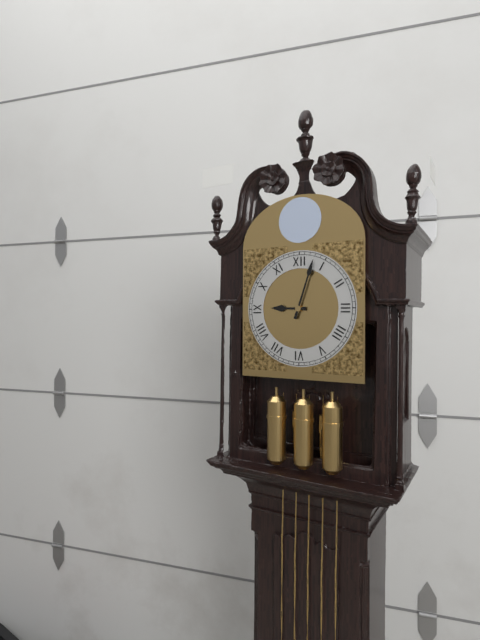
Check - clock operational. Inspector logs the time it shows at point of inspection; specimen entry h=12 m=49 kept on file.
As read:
h=9 m=3
